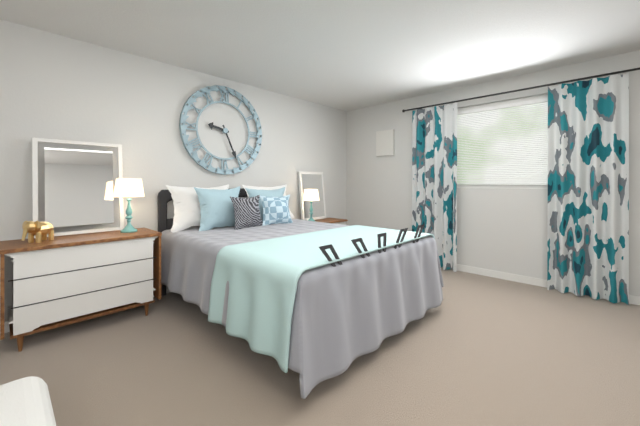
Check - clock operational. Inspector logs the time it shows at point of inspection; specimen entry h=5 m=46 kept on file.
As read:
h=9 m=26
